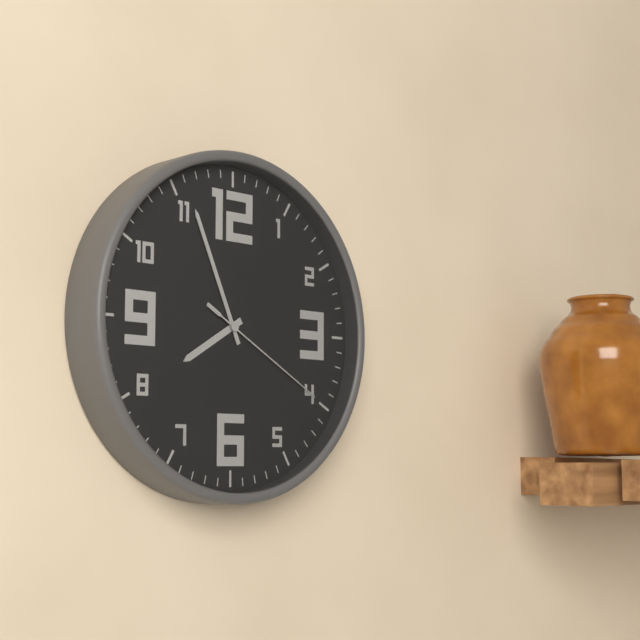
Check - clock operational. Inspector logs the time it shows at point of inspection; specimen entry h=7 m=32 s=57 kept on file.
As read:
h=7 m=56 s=20
